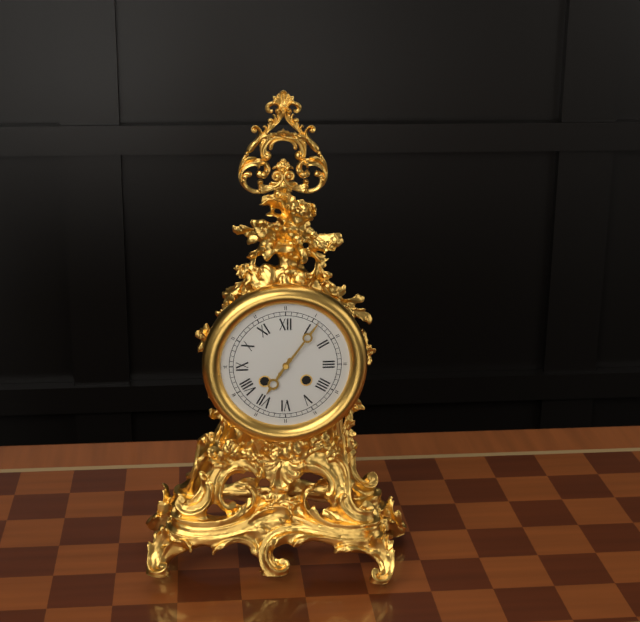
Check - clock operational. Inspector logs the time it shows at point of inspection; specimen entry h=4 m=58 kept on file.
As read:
h=7 m=6
